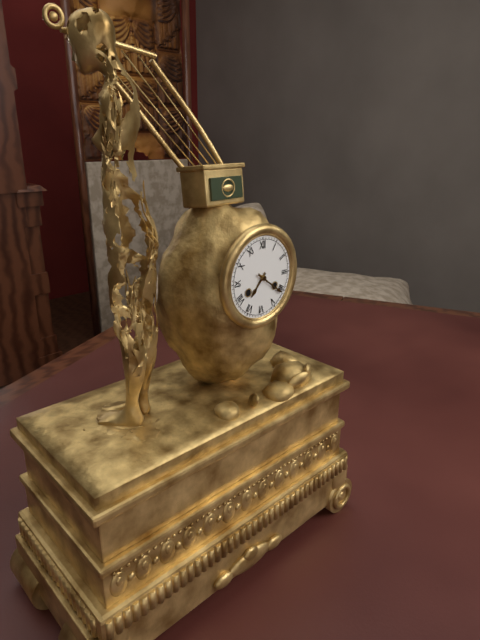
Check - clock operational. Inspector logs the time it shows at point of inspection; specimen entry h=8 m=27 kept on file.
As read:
h=7 m=21
